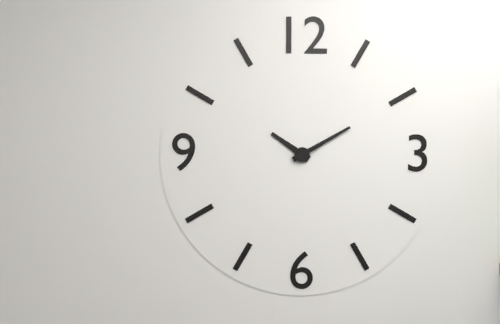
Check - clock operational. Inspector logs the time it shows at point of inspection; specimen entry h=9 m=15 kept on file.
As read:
h=10 m=10
